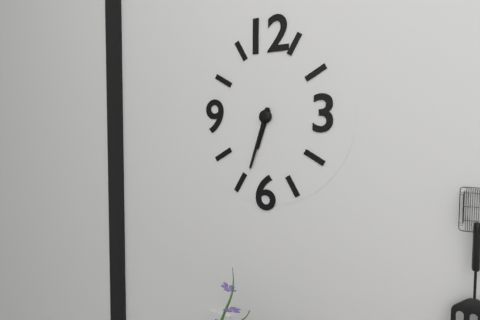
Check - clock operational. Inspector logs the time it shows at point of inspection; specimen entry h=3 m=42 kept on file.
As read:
h=6 m=33
